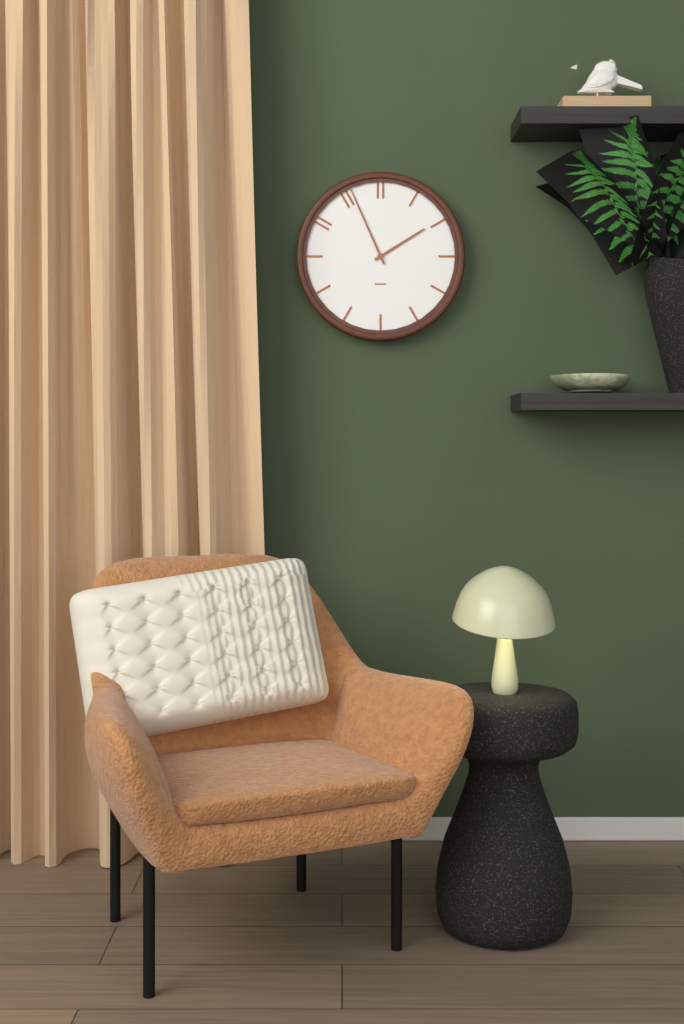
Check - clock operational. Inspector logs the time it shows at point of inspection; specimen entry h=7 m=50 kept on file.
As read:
h=1 m=56
